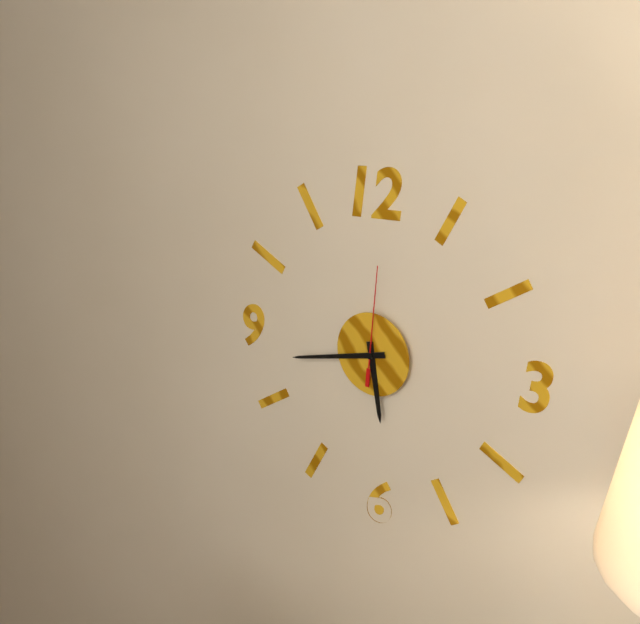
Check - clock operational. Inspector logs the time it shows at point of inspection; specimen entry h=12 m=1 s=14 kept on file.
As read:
h=5 m=43 s=1
